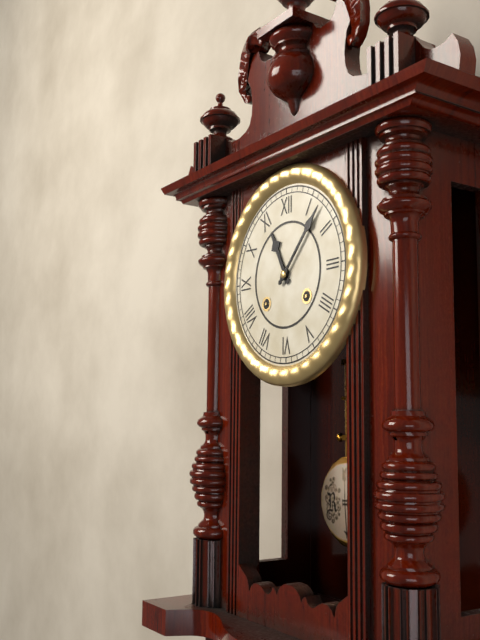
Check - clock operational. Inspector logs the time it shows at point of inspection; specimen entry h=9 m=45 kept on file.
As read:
h=11 m=7
